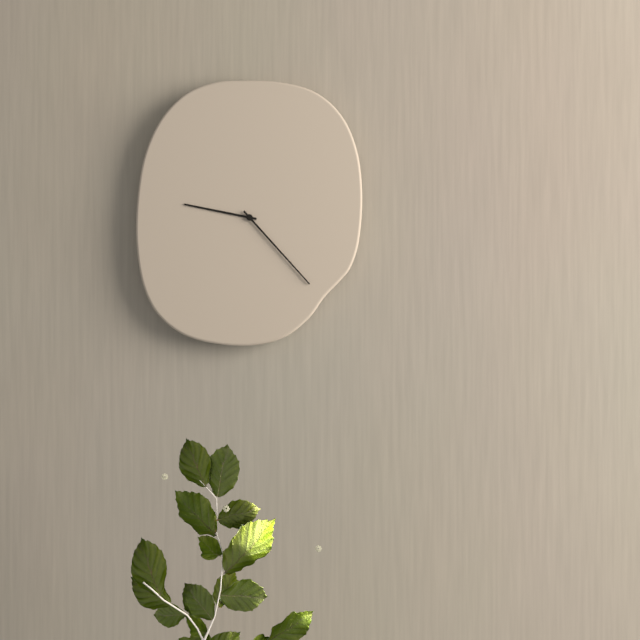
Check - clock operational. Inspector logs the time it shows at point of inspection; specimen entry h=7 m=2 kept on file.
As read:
h=9 m=23
